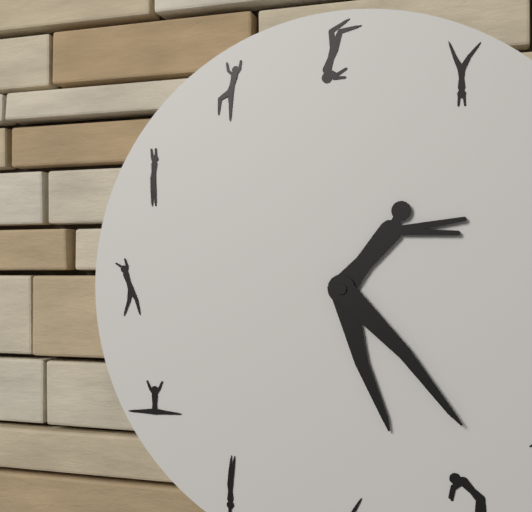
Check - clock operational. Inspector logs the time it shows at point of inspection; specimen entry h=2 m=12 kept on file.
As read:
h=5 m=23
